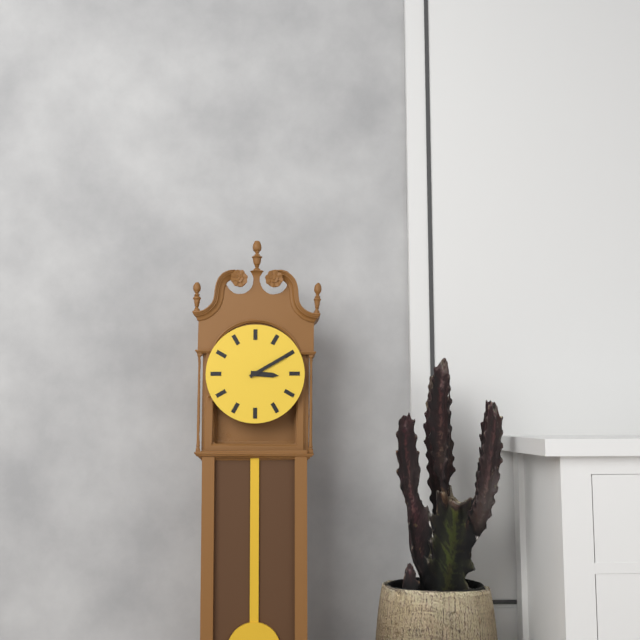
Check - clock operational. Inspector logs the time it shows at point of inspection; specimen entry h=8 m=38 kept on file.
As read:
h=3 m=10
